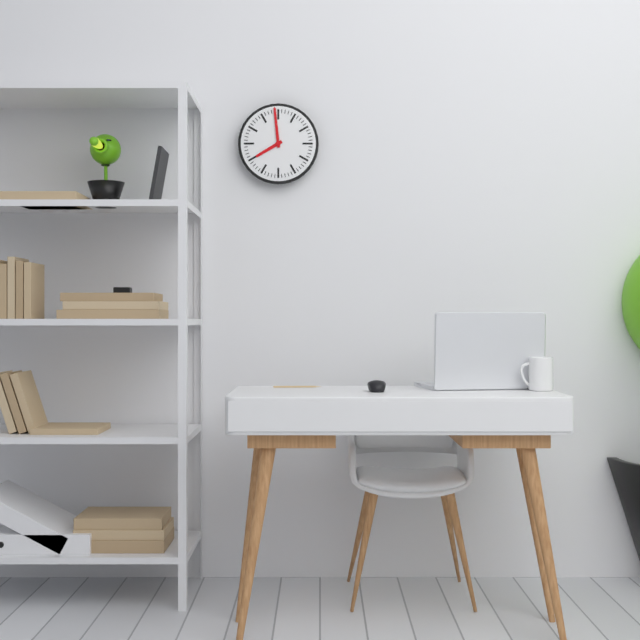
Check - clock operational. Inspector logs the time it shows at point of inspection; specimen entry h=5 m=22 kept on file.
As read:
h=7 m=59
